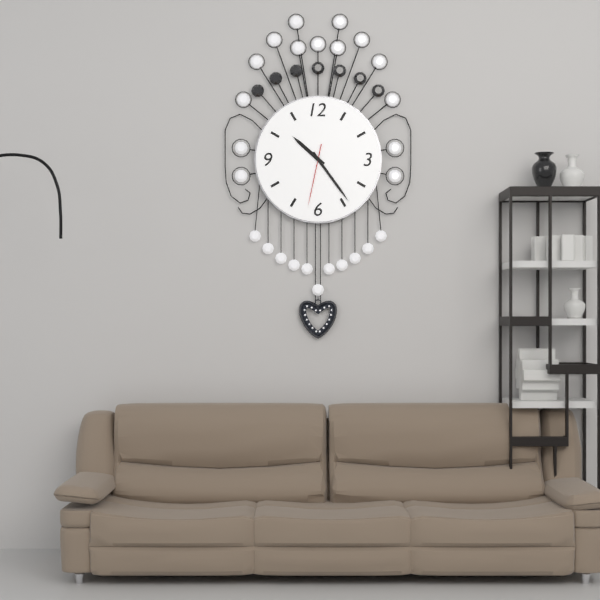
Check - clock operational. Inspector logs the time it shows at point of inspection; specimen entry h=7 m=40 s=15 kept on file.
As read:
h=10 m=24 s=32
